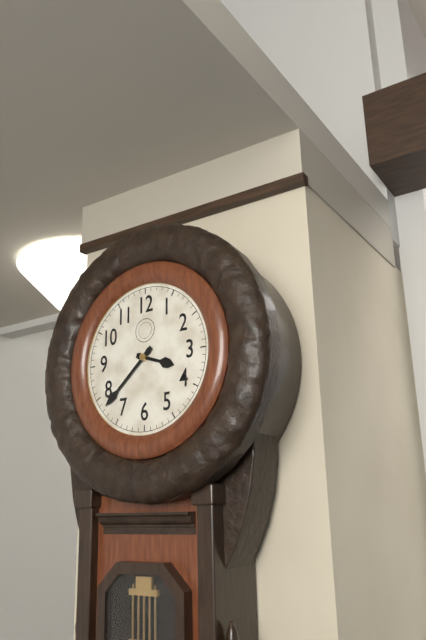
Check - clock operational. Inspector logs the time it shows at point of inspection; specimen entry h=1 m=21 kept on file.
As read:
h=3 m=38
